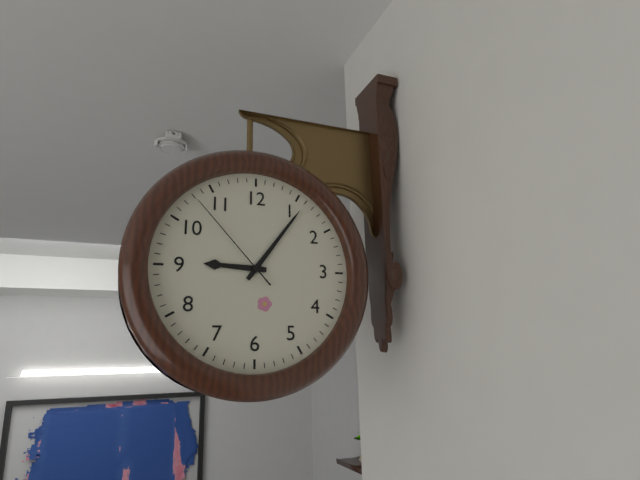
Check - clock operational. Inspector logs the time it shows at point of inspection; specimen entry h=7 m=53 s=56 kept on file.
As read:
h=9 m=6 s=53
